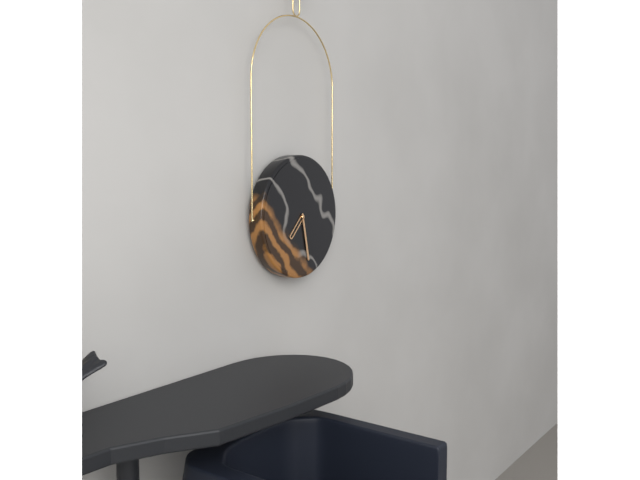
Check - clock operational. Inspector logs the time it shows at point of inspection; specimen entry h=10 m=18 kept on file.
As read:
h=7 m=28
